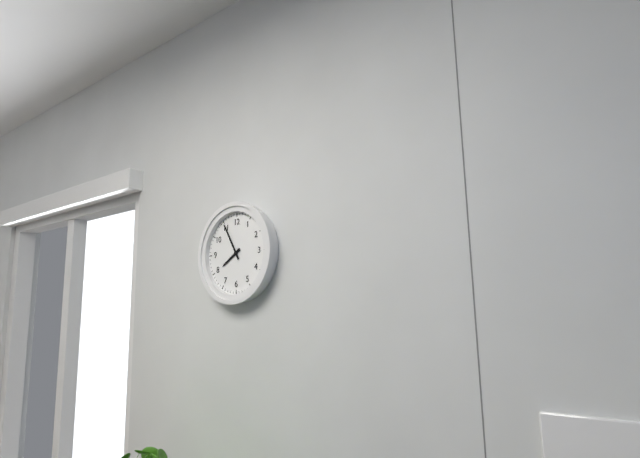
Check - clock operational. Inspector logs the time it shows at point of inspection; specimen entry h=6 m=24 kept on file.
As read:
h=7 m=55
